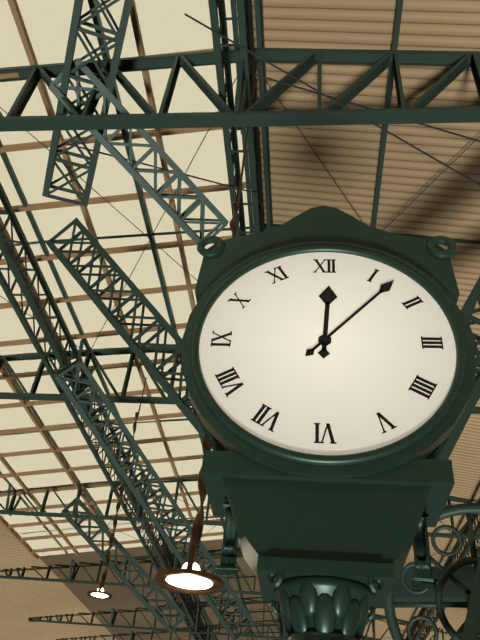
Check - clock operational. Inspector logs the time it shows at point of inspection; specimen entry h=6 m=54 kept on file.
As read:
h=12 m=7
